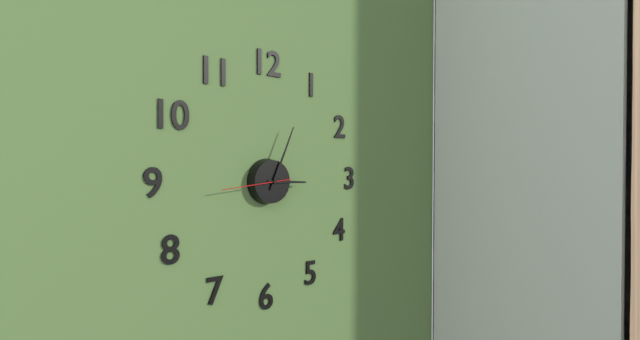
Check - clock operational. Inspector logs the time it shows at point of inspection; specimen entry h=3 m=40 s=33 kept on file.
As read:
h=3 m=4 s=44
